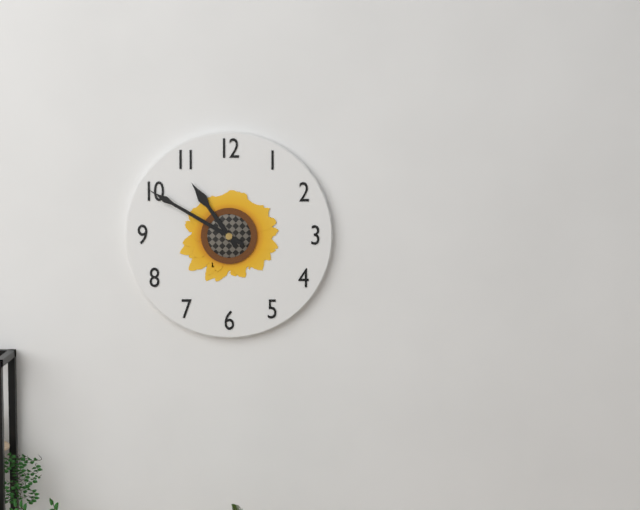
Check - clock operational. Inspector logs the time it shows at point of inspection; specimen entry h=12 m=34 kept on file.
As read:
h=10 m=50
